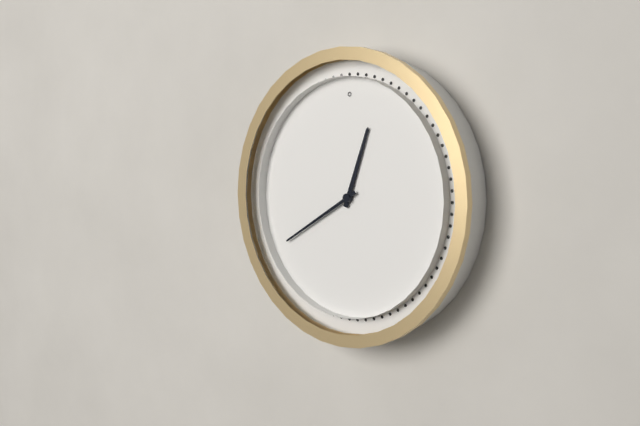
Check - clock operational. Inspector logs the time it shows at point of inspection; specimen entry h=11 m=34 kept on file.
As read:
h=12 m=40
